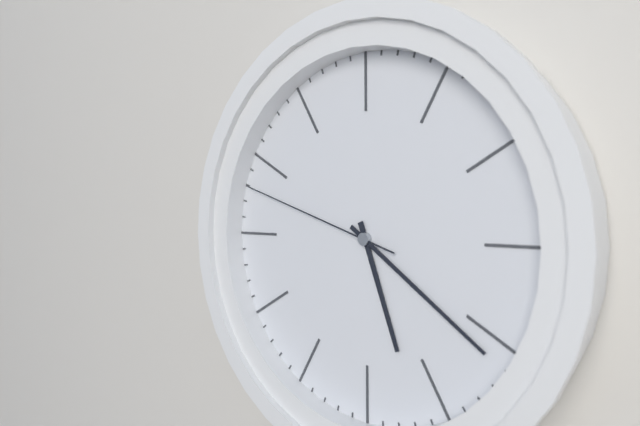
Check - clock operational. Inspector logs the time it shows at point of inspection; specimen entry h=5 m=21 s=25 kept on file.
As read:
h=5 m=21 s=48
